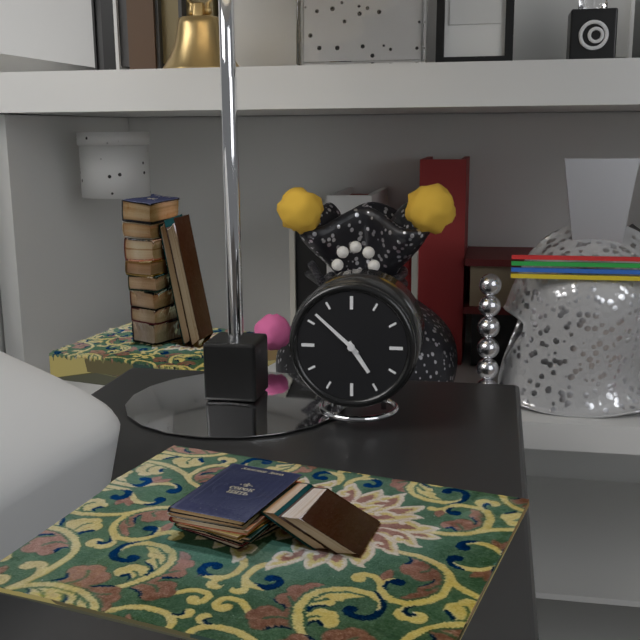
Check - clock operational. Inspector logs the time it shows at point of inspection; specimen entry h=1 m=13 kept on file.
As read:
h=4 m=52
